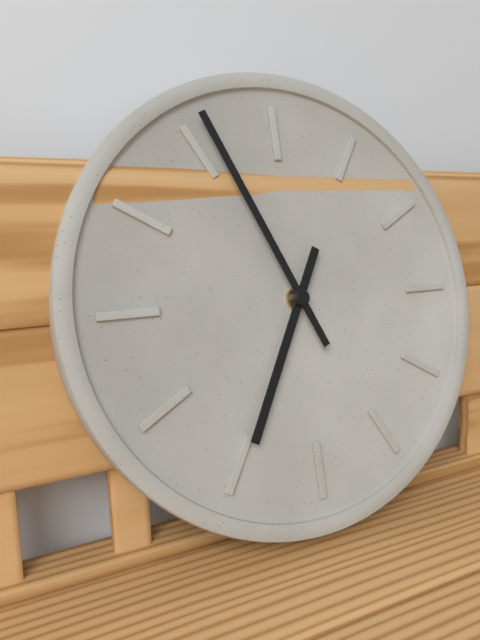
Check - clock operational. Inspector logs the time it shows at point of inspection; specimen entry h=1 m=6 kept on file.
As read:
h=6 m=56
